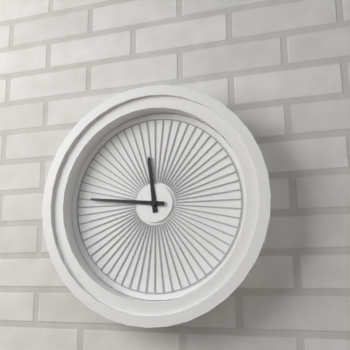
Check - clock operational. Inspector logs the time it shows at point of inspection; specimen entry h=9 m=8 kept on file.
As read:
h=11 m=46
